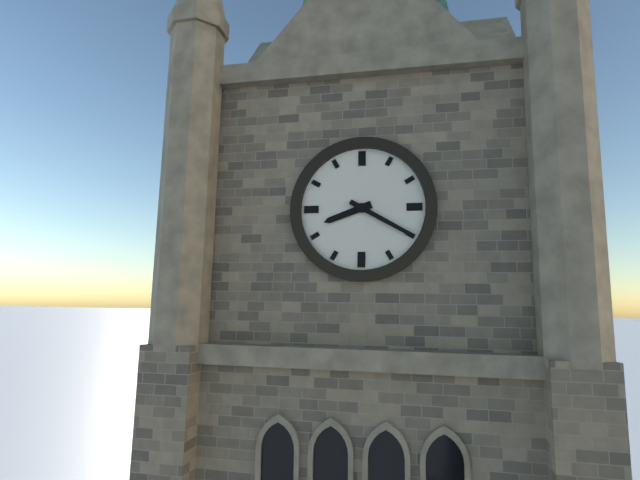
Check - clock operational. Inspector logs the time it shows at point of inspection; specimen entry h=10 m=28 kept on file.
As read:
h=8 m=20
